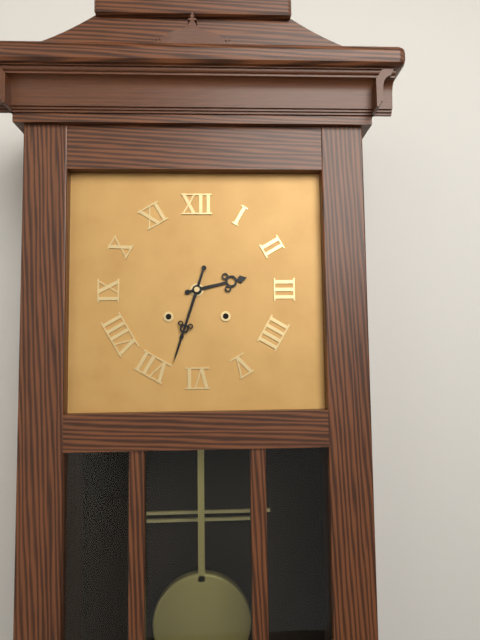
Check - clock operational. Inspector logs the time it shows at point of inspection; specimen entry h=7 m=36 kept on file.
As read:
h=2 m=33
